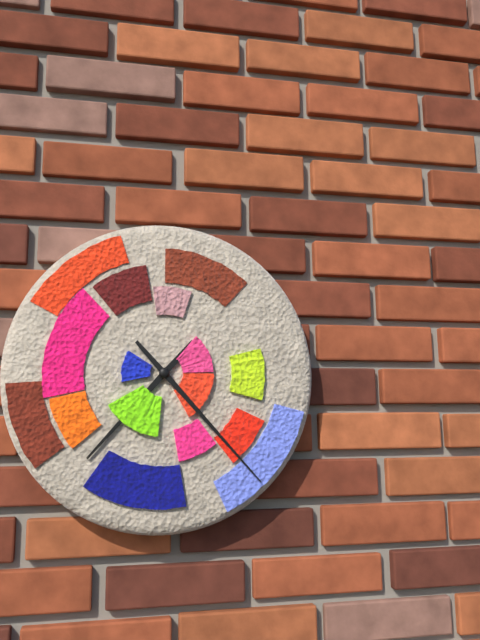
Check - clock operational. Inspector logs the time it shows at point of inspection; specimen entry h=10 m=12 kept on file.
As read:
h=7 m=23
